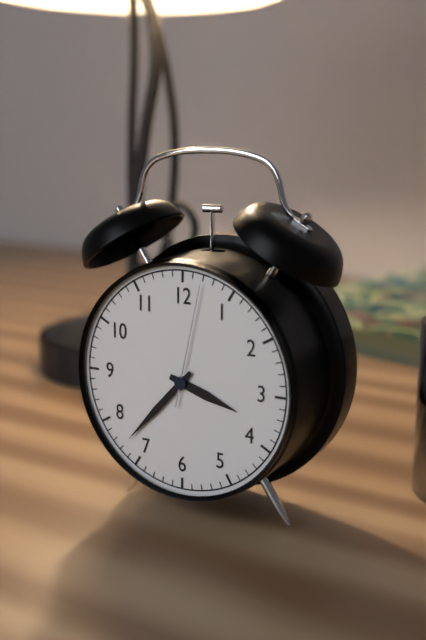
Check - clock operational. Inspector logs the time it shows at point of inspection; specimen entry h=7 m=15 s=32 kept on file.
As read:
h=3 m=37 s=2
